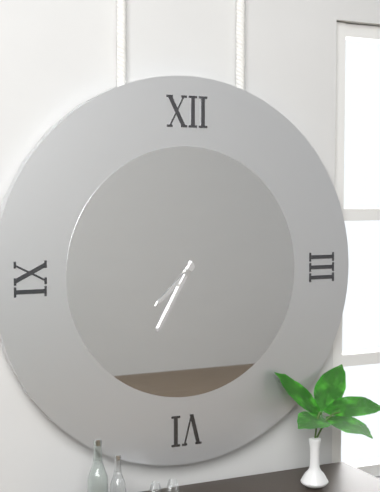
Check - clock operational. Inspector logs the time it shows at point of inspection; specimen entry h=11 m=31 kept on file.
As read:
h=7 m=35
